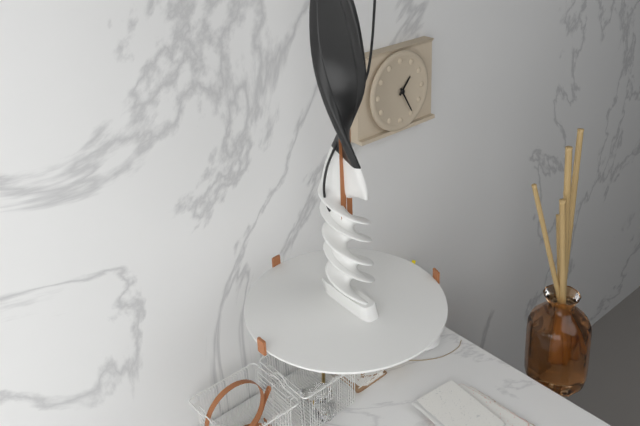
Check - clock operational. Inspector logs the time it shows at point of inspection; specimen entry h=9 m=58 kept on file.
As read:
h=1 m=25
